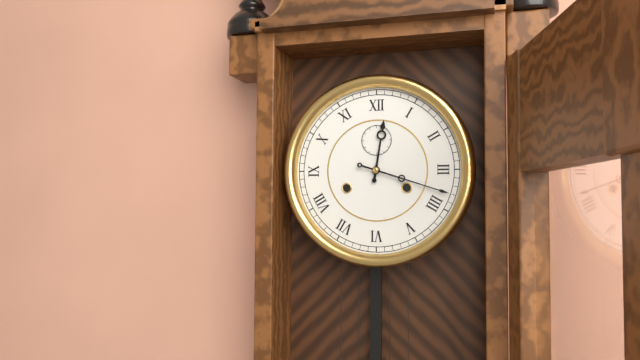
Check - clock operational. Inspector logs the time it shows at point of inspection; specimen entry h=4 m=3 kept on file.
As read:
h=12 m=18
